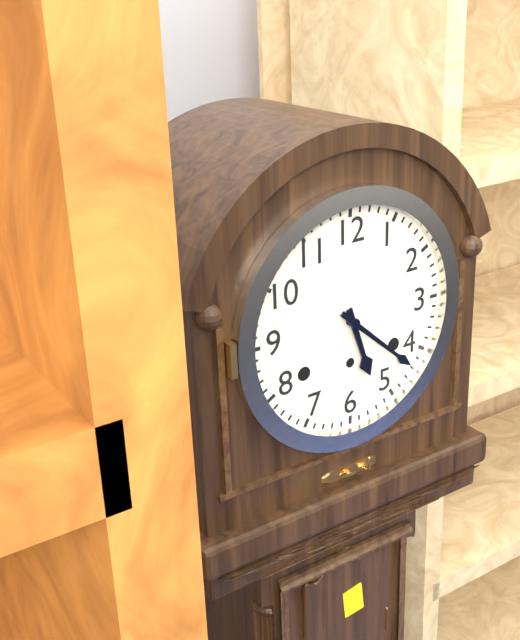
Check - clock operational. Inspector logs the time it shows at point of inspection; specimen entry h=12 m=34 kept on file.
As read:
h=5 m=22
